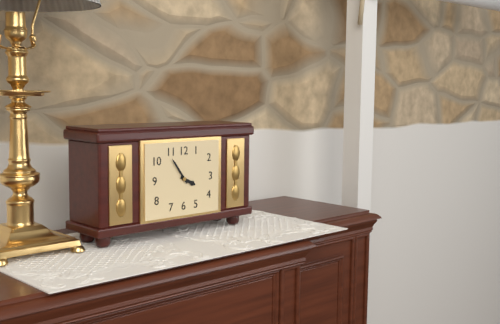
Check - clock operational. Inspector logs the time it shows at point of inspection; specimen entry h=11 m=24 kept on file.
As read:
h=3 m=54
